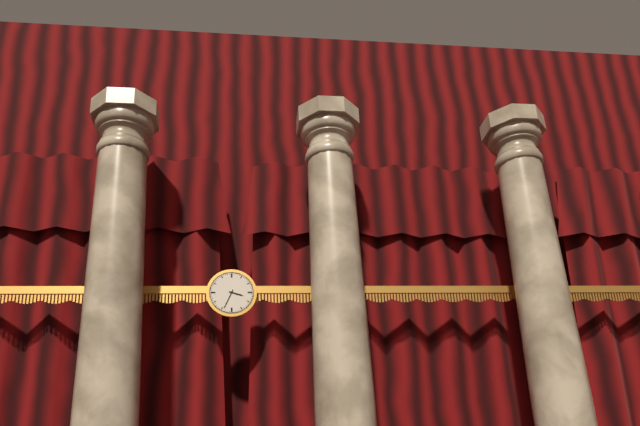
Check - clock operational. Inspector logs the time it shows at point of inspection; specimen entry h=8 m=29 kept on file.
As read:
h=3 m=34
